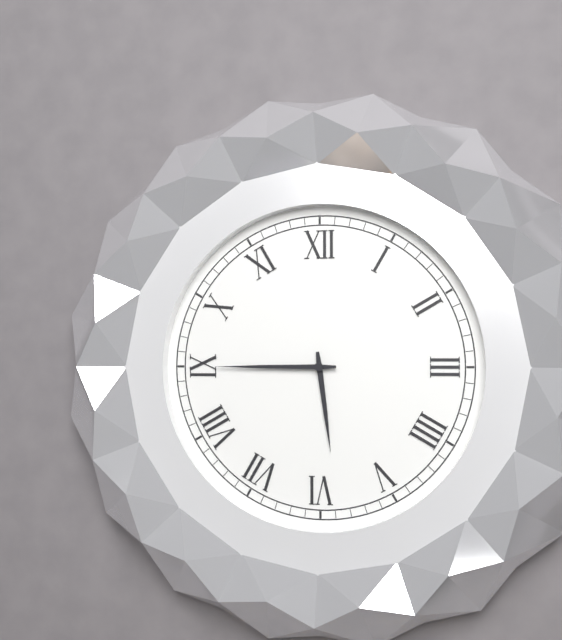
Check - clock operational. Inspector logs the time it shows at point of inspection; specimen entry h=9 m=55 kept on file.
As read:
h=5 m=45
